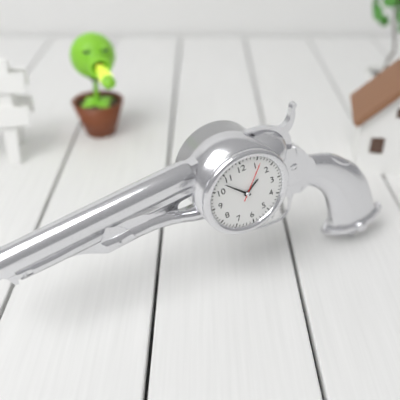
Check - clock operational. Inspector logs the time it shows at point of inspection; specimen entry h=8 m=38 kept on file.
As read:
h=1 m=53
